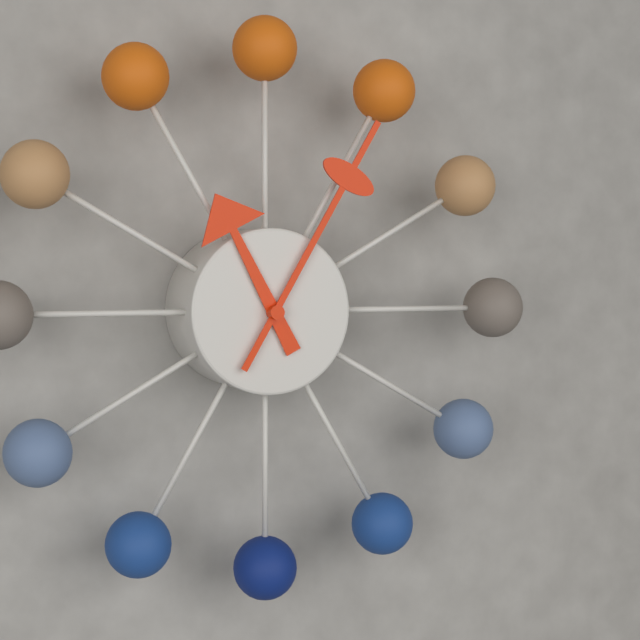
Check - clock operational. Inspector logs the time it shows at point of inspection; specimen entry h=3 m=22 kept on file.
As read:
h=11 m=5
